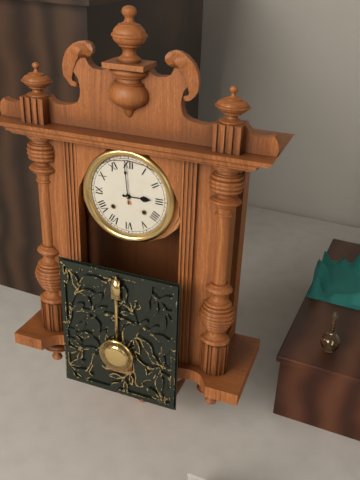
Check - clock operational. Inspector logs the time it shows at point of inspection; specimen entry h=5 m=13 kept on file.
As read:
h=2 m=59
